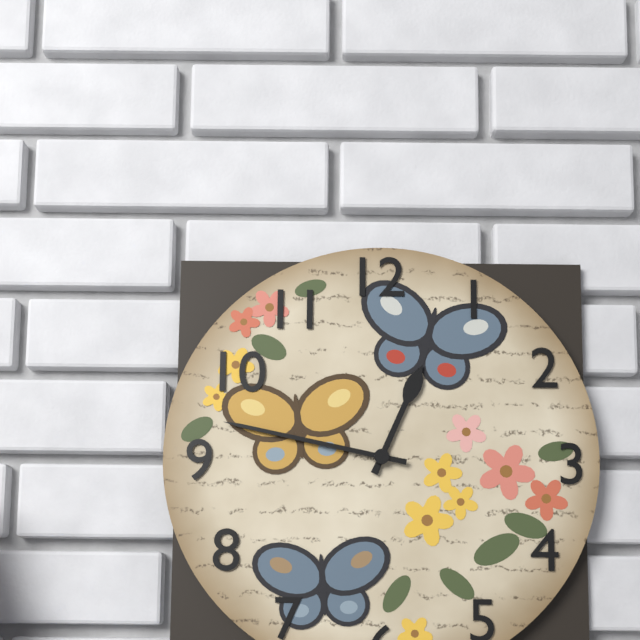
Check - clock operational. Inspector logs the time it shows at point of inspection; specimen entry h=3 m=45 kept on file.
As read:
h=12 m=47
